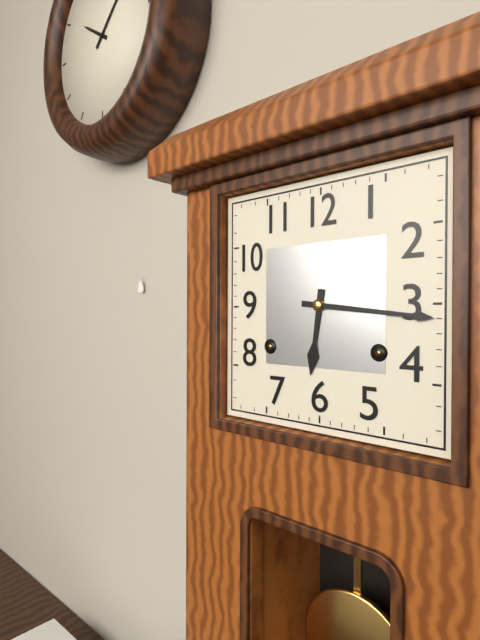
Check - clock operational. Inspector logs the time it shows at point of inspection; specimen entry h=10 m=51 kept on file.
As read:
h=6 m=16
